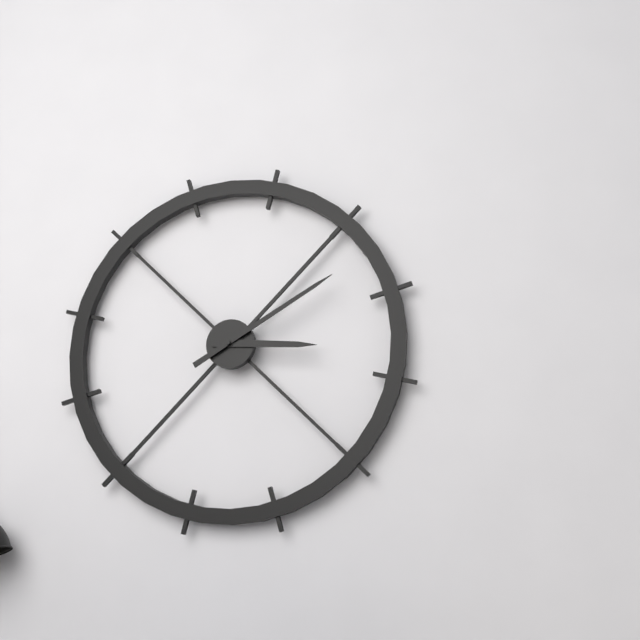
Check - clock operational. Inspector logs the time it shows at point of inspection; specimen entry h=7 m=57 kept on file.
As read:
h=3 m=10
